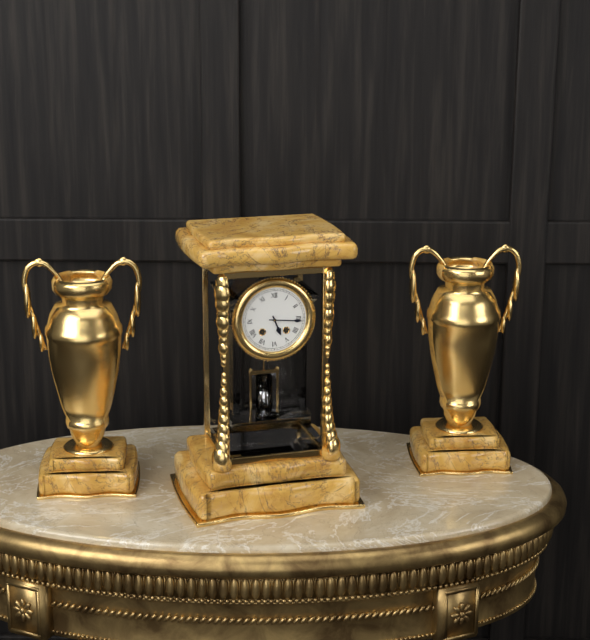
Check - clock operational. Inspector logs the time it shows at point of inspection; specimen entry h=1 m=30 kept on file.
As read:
h=5 m=16
